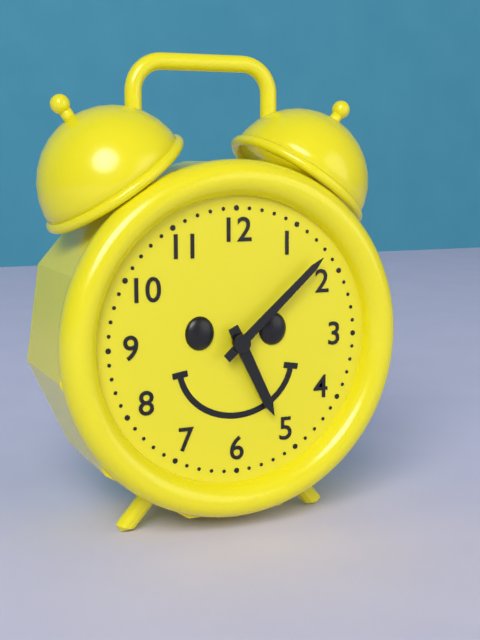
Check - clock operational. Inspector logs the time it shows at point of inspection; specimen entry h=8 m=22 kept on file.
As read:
h=5 m=8
